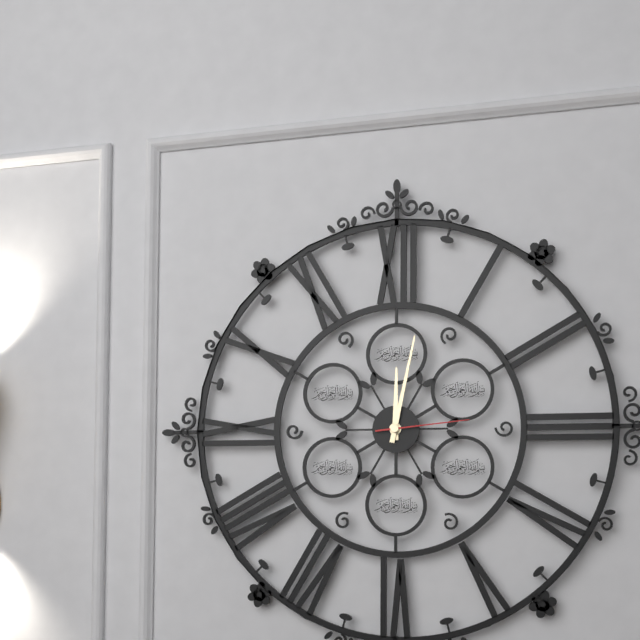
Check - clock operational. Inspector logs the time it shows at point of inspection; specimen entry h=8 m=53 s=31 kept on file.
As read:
h=12 m=2 s=14
